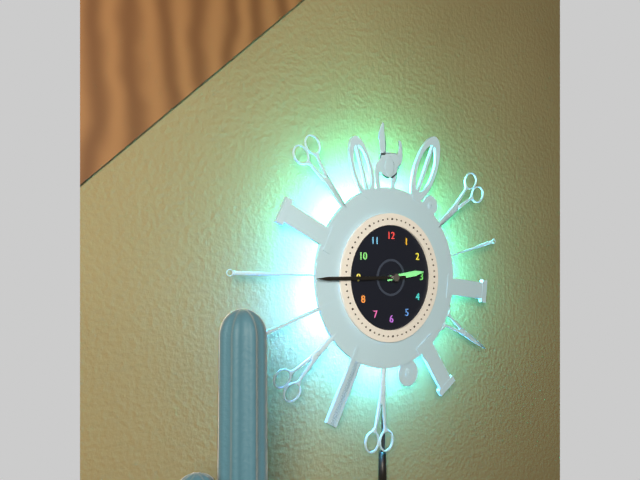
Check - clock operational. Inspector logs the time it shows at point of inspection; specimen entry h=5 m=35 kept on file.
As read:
h=2 m=45
